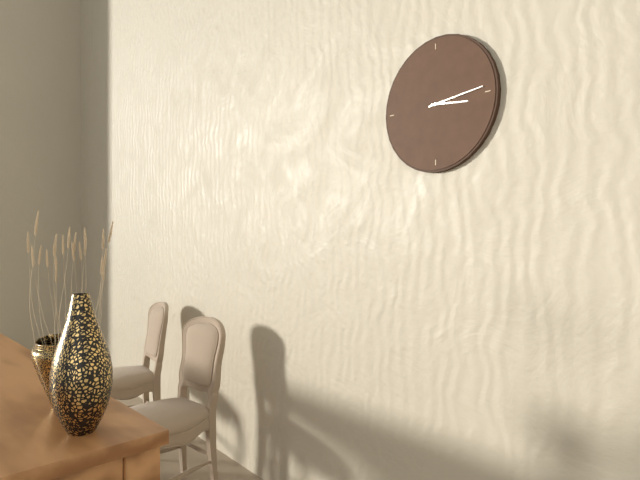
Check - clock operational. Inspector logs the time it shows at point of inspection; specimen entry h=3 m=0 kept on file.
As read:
h=3 m=14
